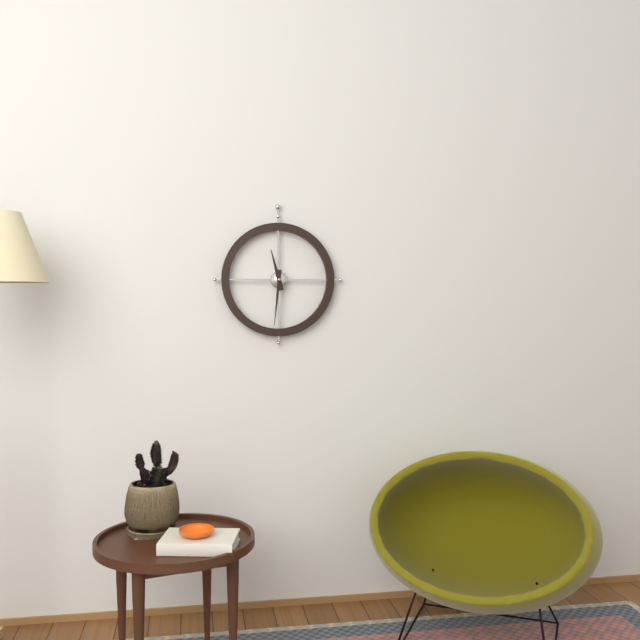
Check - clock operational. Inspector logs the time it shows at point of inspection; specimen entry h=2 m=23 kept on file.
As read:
h=11 m=31
